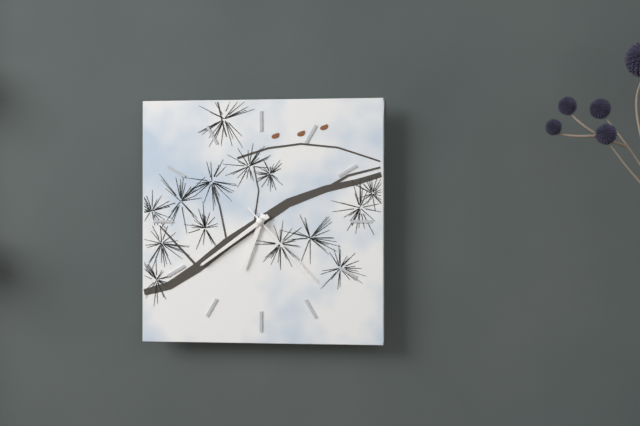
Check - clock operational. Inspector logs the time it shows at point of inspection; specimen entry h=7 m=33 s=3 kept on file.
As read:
h=6 m=39 s=23
